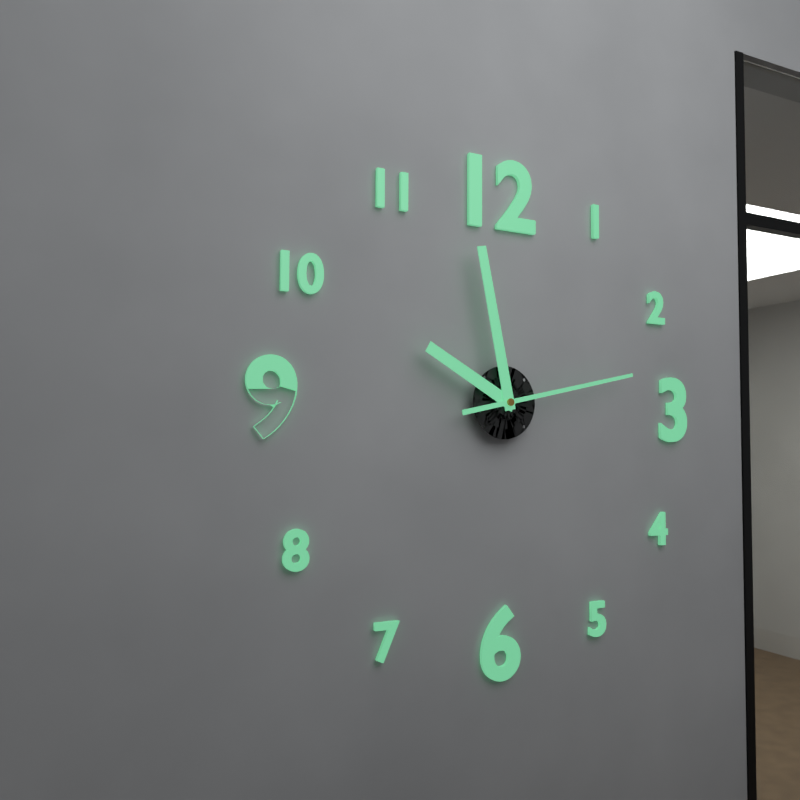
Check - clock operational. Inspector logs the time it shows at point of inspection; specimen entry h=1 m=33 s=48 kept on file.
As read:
h=9 m=58 s=13
